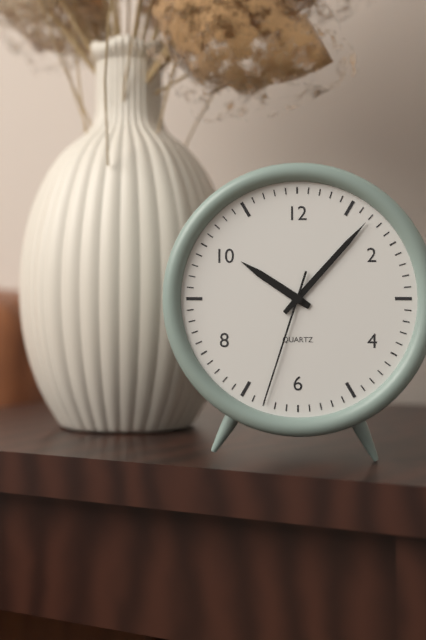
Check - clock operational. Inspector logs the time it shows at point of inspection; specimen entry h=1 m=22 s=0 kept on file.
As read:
h=10 m=7 s=33
